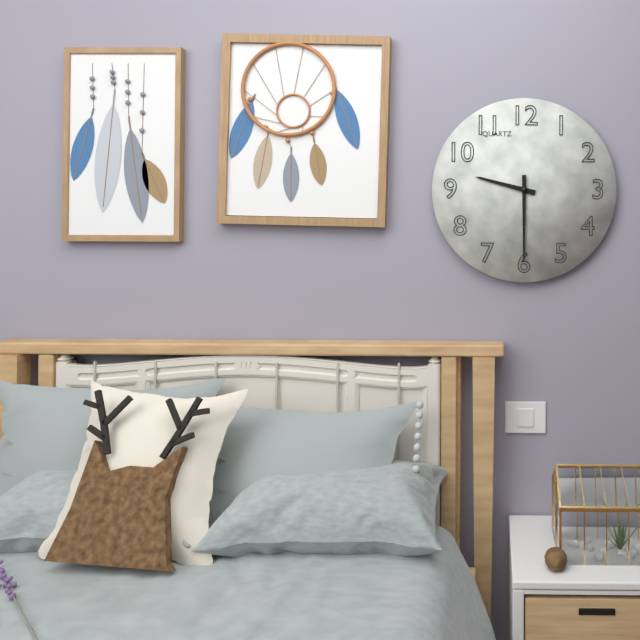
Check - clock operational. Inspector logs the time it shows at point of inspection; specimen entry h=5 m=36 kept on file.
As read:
h=9 m=30
